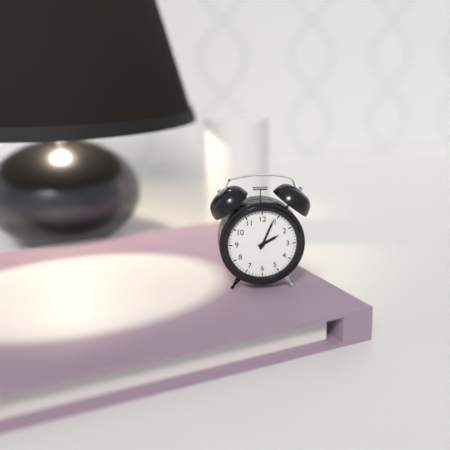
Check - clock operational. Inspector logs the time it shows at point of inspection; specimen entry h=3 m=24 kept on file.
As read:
h=2 m=4
